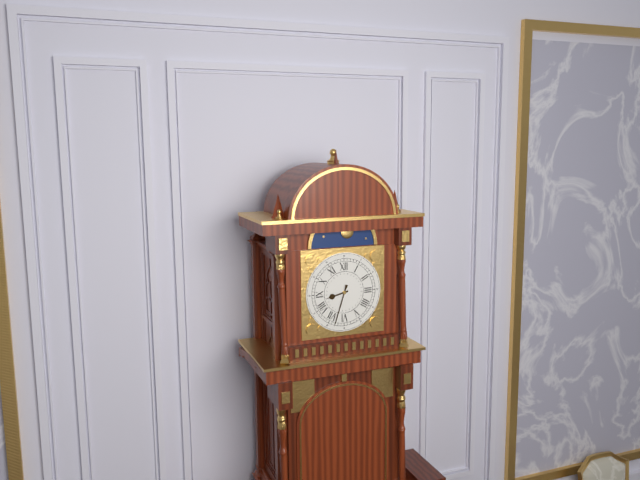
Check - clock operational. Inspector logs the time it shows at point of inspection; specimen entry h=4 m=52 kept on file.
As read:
h=8 m=33
